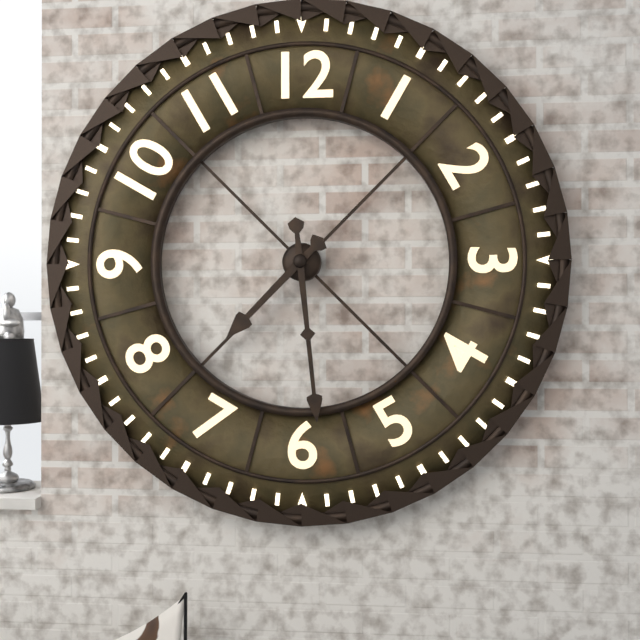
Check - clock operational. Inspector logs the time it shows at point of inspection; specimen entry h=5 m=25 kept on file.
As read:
h=7 m=29
